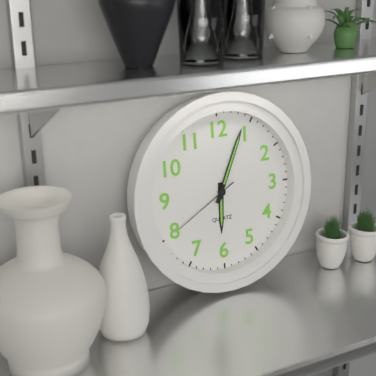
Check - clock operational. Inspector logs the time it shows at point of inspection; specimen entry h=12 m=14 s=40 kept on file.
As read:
h=6 m=4 s=40
